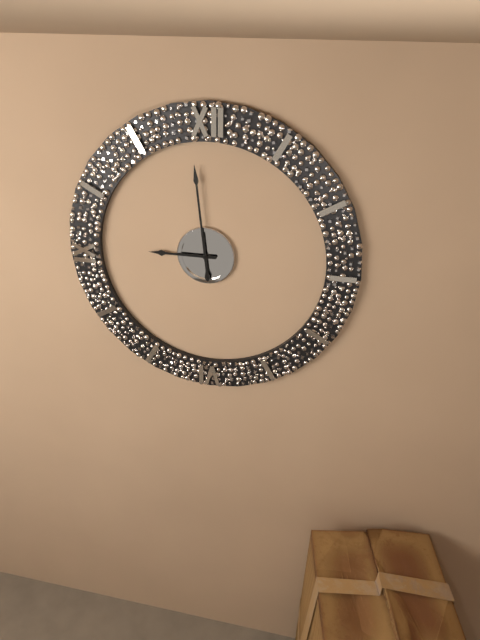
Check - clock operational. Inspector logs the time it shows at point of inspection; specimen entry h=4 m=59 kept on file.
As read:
h=8 m=59
